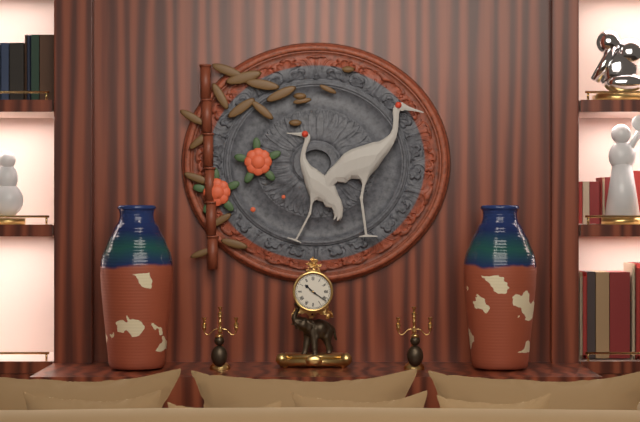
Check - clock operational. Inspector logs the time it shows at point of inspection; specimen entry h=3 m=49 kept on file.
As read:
h=10 m=21
